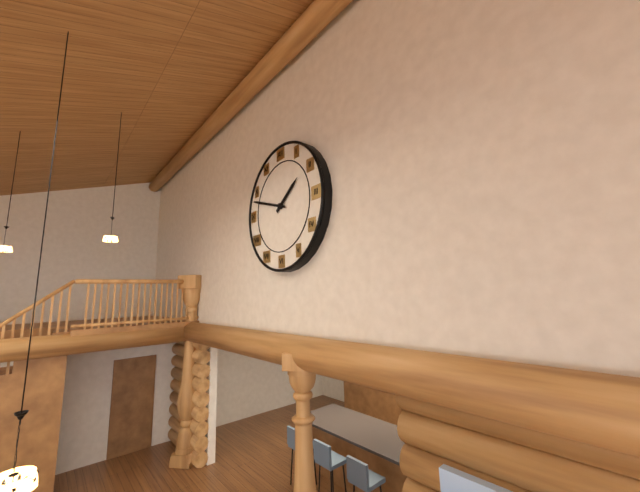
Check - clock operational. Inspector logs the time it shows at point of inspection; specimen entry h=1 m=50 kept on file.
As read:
h=1 m=48
